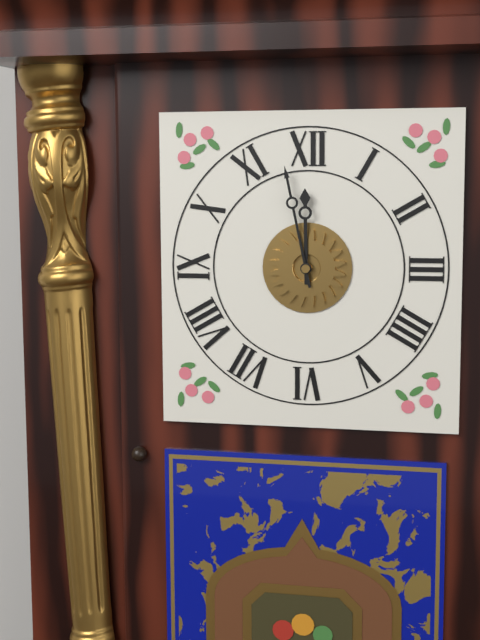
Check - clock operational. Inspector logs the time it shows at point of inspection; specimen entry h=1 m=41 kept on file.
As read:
h=11 m=58
